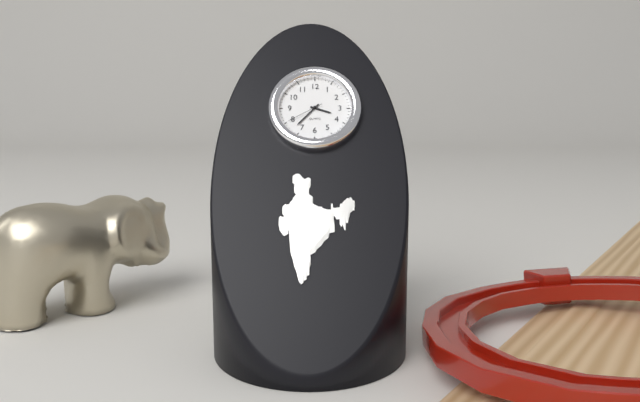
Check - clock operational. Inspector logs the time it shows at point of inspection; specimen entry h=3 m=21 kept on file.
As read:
h=3 m=37
